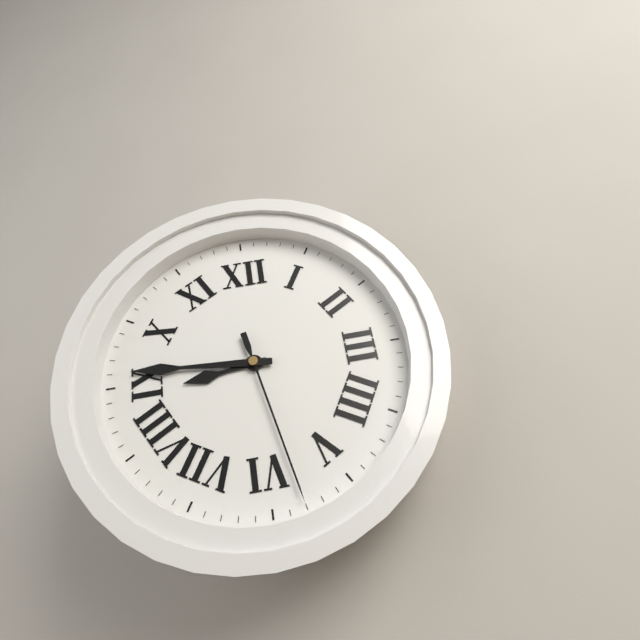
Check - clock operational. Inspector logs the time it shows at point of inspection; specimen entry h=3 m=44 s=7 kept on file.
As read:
h=8 m=46 s=28
